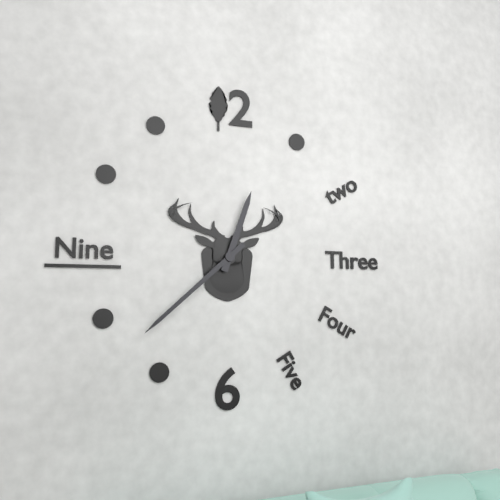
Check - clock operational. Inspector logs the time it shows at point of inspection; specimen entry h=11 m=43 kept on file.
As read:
h=12 m=38
